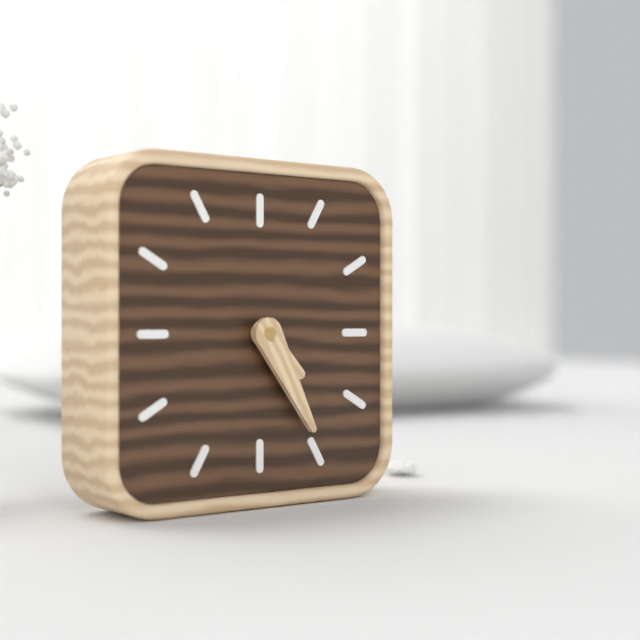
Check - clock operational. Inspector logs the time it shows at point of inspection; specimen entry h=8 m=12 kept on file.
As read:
h=4 m=25
